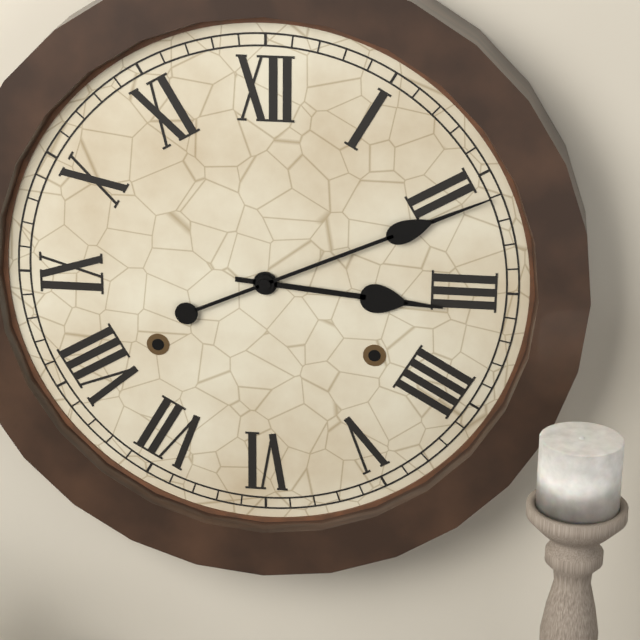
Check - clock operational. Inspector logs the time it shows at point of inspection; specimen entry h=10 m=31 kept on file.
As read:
h=3 m=11
